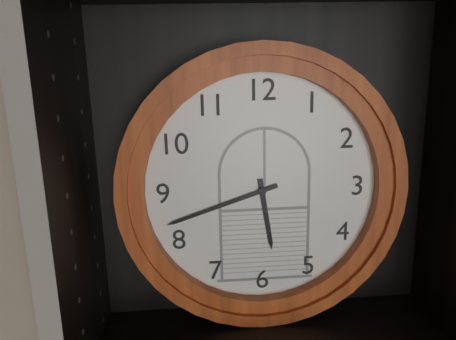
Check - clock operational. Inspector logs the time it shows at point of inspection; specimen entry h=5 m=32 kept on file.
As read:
h=5 m=42
